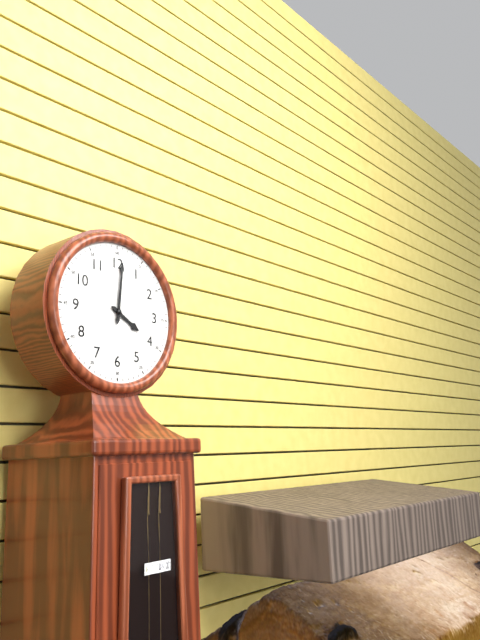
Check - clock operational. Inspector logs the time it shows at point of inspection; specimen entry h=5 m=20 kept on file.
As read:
h=4 m=1
